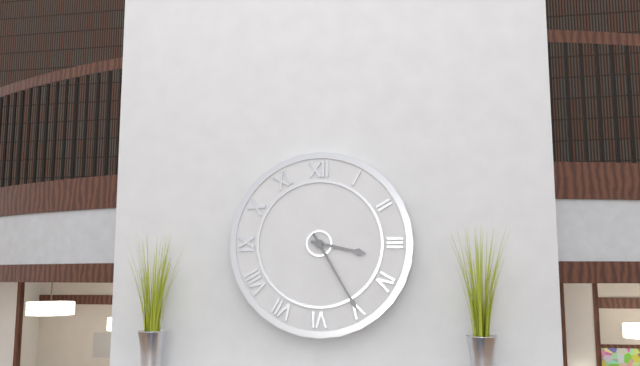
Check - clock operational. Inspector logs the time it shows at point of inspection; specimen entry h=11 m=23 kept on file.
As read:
h=3 m=25
